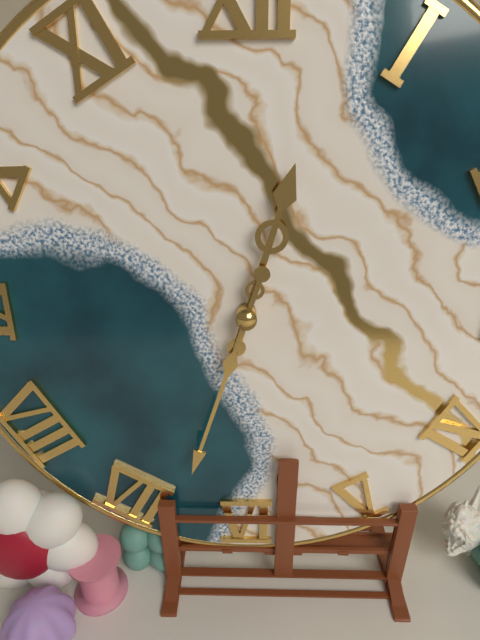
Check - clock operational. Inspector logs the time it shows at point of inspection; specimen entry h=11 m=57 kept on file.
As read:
h=12 m=33
